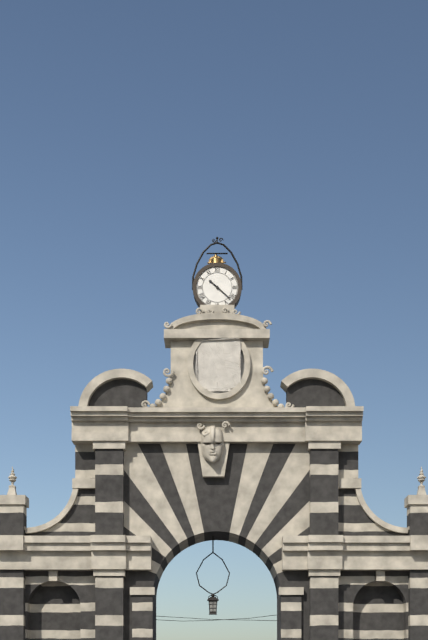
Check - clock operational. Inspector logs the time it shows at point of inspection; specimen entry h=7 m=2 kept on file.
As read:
h=10 m=22
